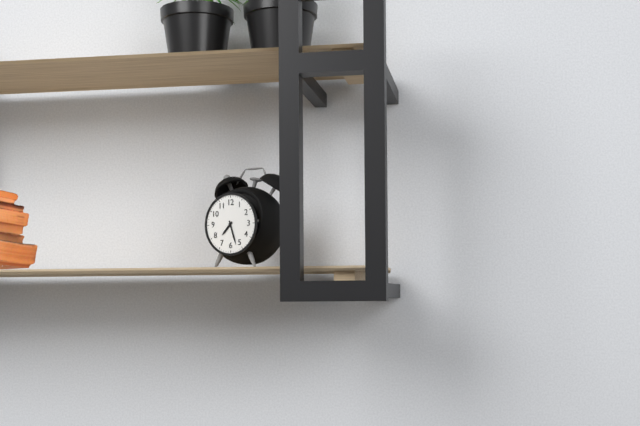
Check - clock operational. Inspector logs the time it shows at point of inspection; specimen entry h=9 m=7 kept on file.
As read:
h=7 m=27
